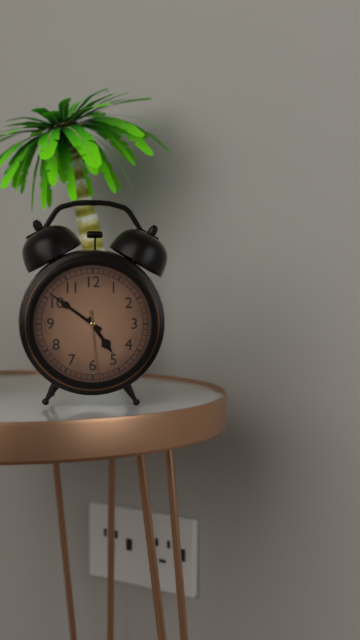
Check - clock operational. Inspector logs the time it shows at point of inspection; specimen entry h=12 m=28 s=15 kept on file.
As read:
h=4 m=51 s=29
